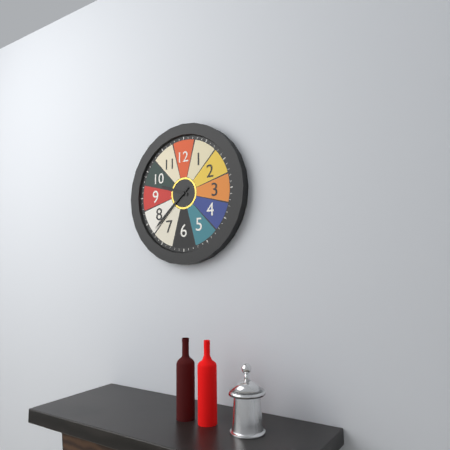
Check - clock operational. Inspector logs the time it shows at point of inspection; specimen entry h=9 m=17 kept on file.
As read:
h=9 m=38
